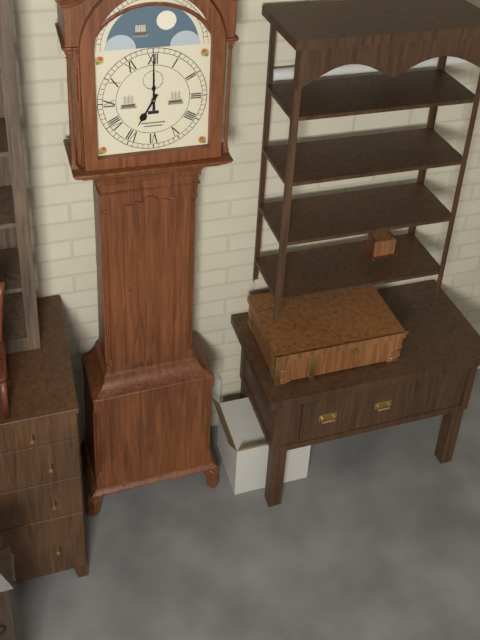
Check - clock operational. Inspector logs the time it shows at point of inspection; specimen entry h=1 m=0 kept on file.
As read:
h=7 m=0
